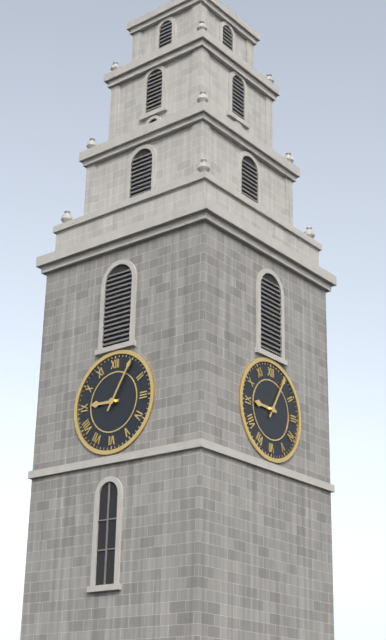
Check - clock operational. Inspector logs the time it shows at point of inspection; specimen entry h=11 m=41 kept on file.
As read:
h=9 m=5
